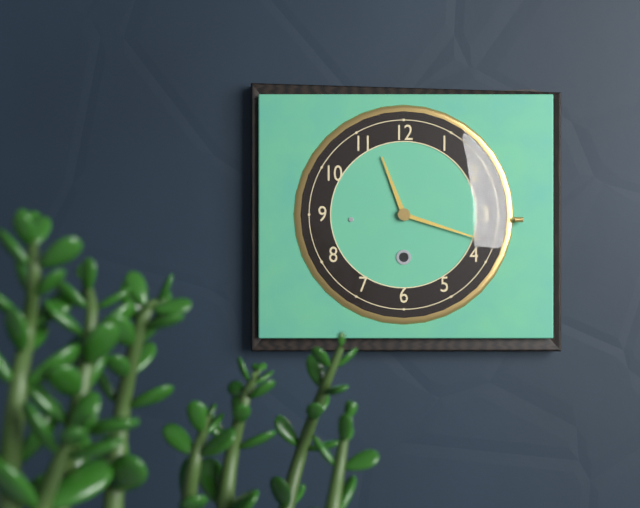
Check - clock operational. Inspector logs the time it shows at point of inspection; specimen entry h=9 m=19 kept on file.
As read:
h=11 m=18
